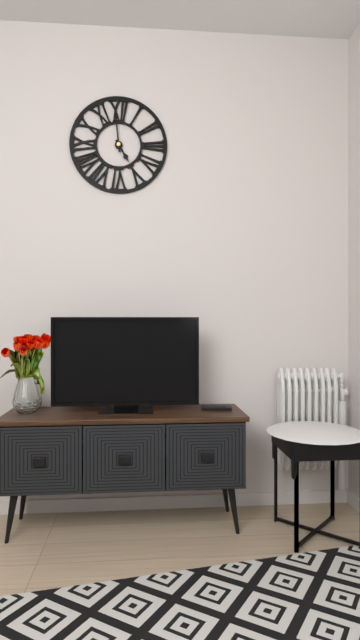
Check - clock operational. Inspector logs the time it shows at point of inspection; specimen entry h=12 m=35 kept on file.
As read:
h=4 m=59
